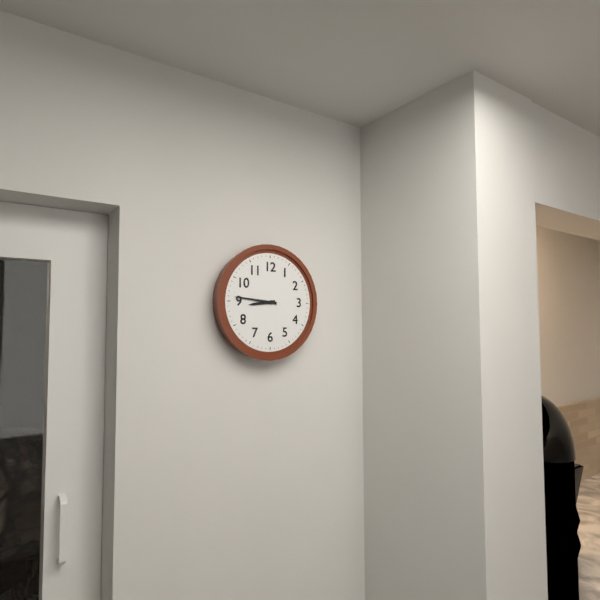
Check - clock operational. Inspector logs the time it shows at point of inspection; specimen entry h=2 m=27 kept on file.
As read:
h=8 m=46
